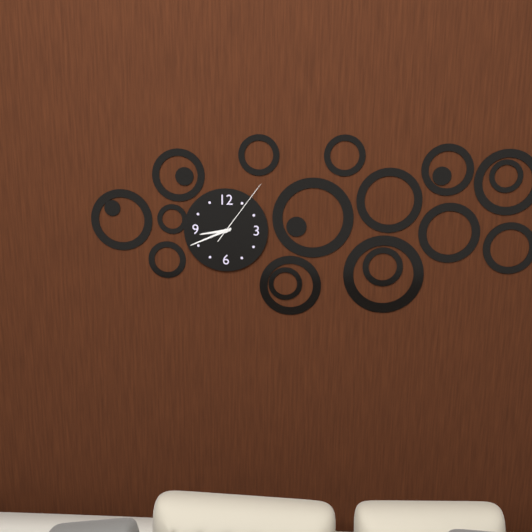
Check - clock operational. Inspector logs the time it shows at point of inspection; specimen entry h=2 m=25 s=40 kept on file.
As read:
h=8 m=41 s=6
